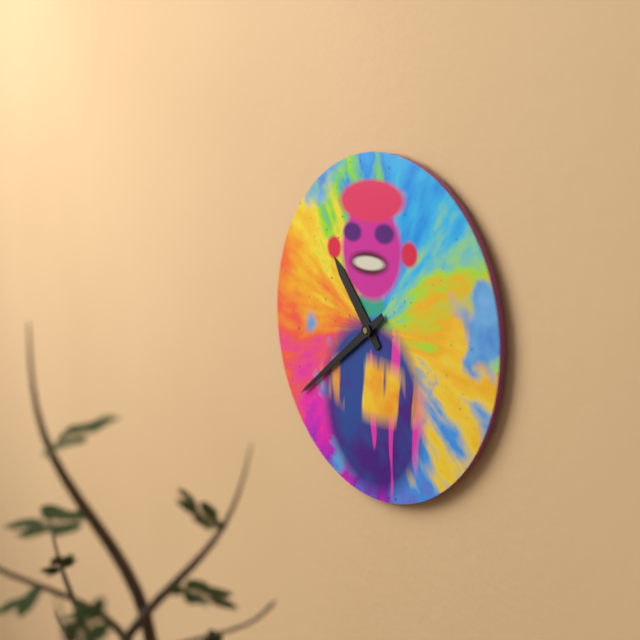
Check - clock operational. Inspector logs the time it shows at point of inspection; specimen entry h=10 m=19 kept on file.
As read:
h=10 m=39
